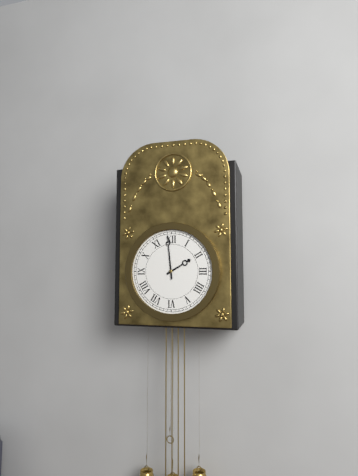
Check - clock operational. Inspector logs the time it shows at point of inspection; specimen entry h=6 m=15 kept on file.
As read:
h=1 m=59
